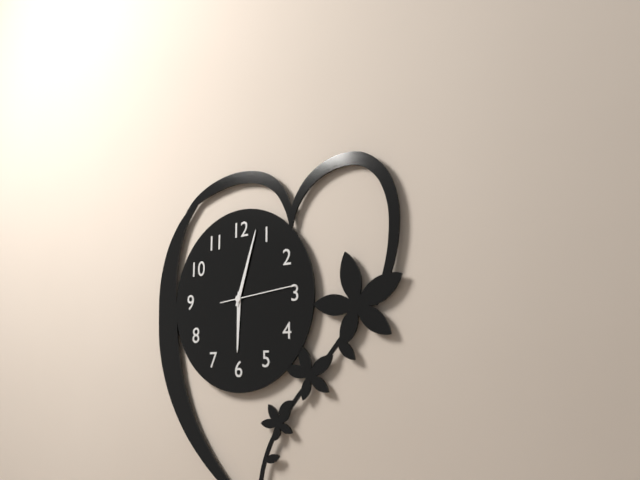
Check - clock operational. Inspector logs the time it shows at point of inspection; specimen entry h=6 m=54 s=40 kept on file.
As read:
h=6 m=3 s=14
